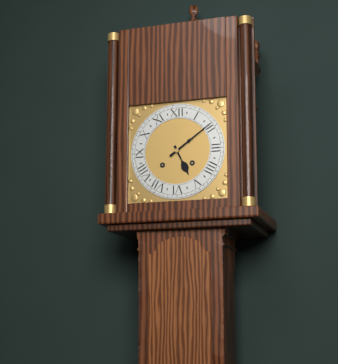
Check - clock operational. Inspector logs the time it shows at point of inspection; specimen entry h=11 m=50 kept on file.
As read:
h=5 m=9
